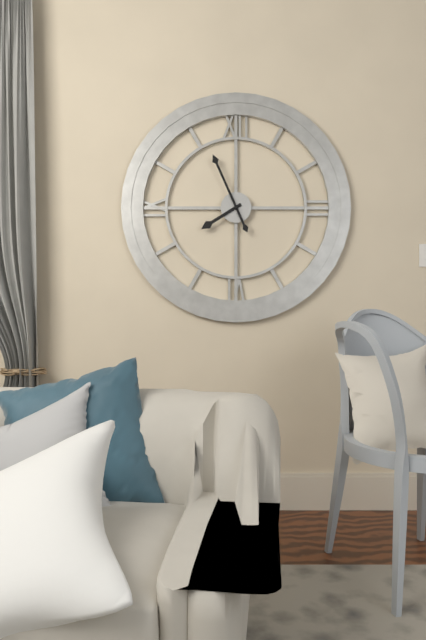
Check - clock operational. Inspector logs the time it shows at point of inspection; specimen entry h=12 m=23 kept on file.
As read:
h=7 m=56
